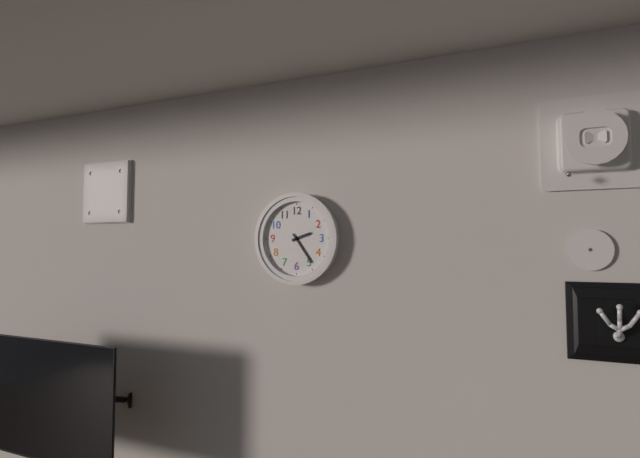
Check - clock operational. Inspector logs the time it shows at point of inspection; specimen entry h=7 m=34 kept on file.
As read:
h=2 m=24
